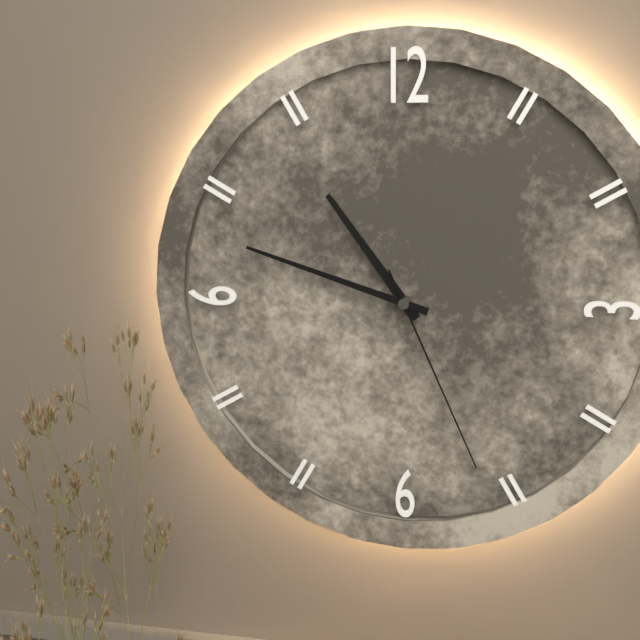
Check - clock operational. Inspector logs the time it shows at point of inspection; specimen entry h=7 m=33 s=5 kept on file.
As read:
h=10 m=48 s=26
